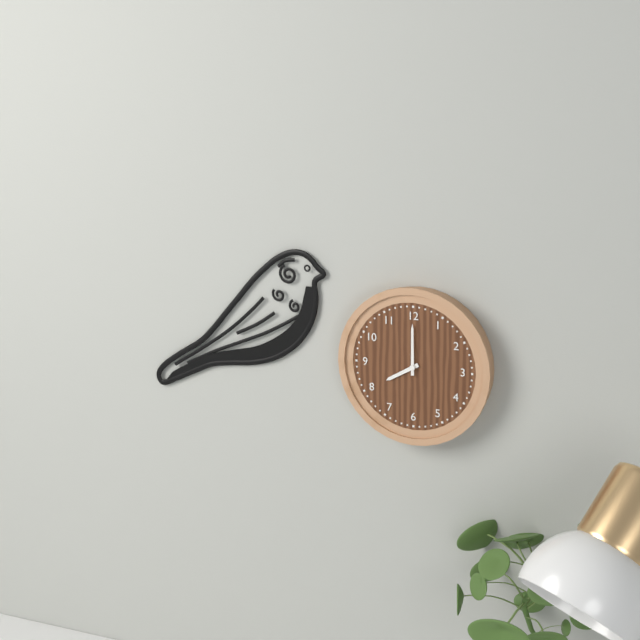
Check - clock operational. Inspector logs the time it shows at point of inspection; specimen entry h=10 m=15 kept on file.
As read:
h=8 m=0
